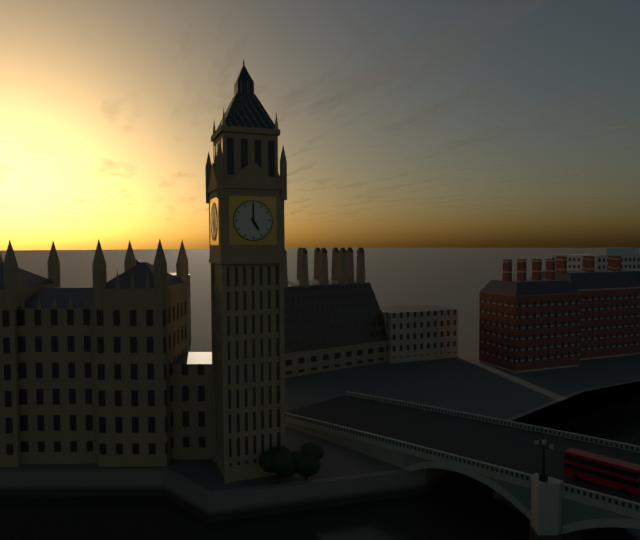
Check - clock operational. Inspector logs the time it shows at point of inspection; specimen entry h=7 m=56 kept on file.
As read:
h=5 m=0
